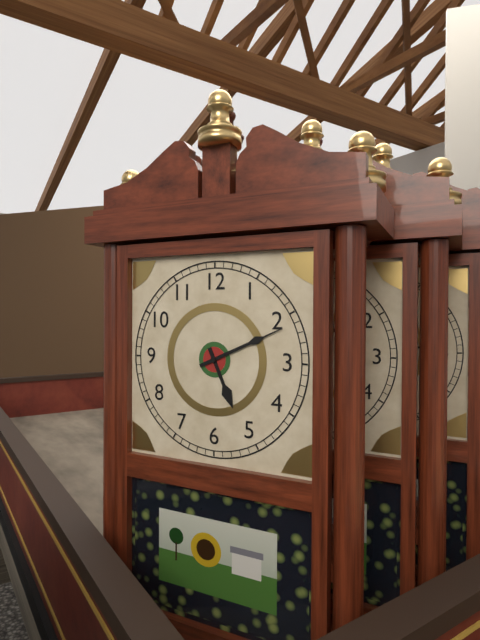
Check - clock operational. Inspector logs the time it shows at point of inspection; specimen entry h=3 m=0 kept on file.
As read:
h=5 m=11
